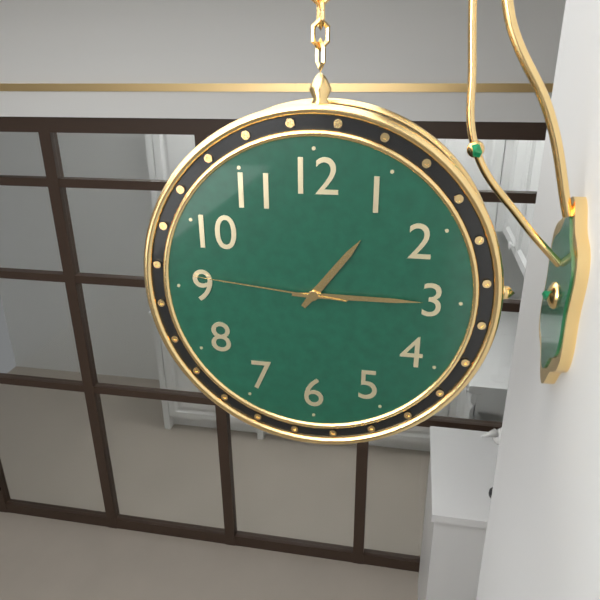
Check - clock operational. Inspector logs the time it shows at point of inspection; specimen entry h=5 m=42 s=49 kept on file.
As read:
h=1 m=15 s=46
